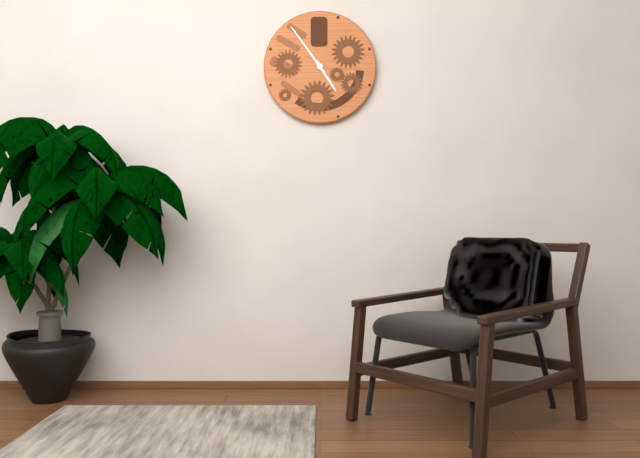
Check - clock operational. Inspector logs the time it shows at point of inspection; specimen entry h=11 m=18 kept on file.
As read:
h=4 m=54
